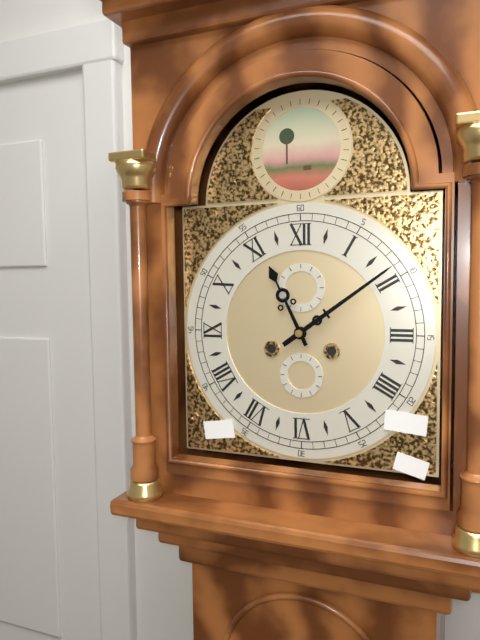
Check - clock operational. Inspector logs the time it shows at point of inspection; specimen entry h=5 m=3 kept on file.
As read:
h=11 m=9
